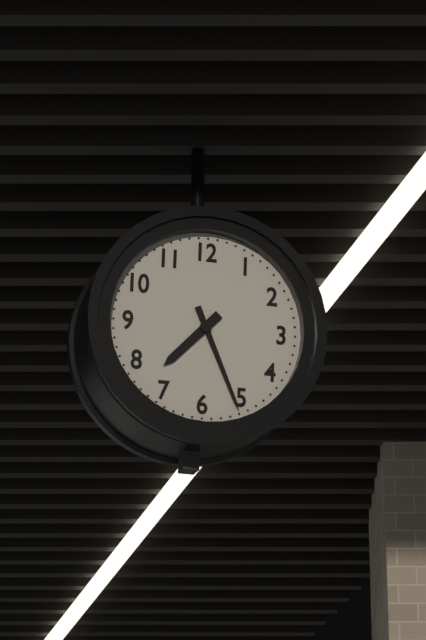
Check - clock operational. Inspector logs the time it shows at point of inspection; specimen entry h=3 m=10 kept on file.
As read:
h=7 m=26
